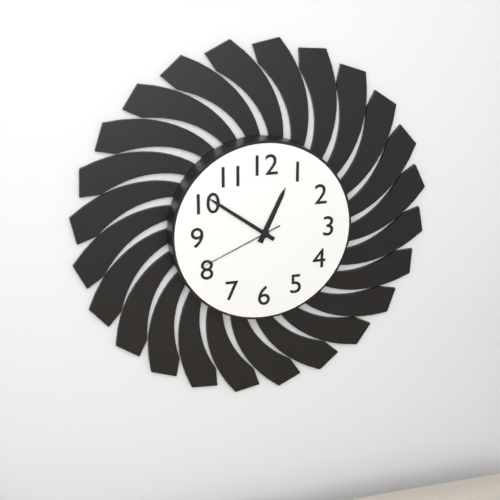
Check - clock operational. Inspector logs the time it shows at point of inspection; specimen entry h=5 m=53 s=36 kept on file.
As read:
h=12 m=51 s=41
